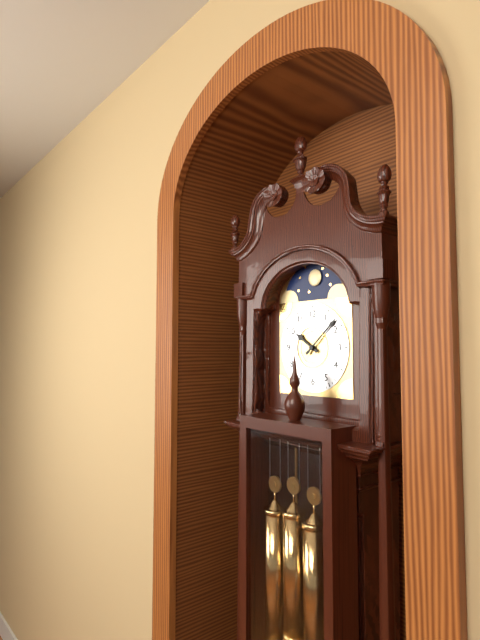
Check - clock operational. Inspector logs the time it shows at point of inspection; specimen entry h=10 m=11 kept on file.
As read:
h=10 m=8
